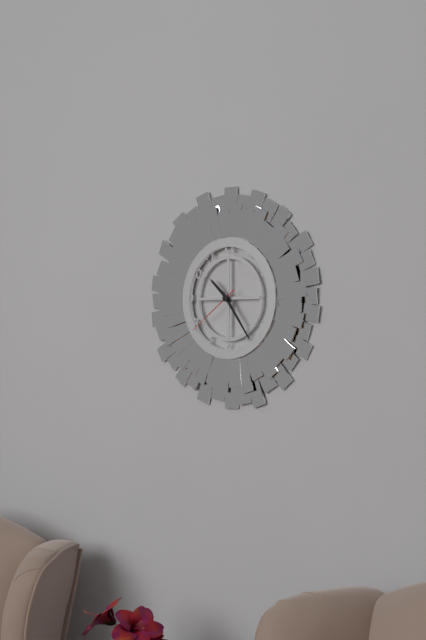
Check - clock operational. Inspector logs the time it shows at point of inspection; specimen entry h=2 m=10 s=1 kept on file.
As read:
h=10 m=24 s=39
